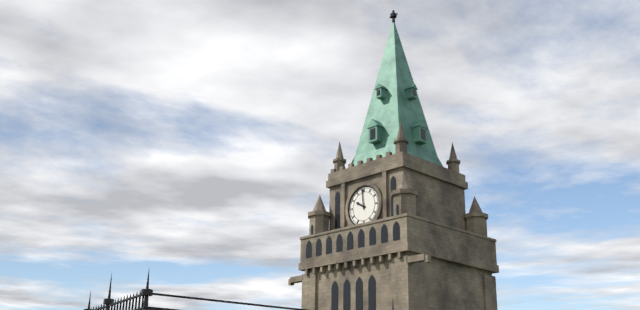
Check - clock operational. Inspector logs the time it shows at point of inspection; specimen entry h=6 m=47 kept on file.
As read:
h=9 m=59
